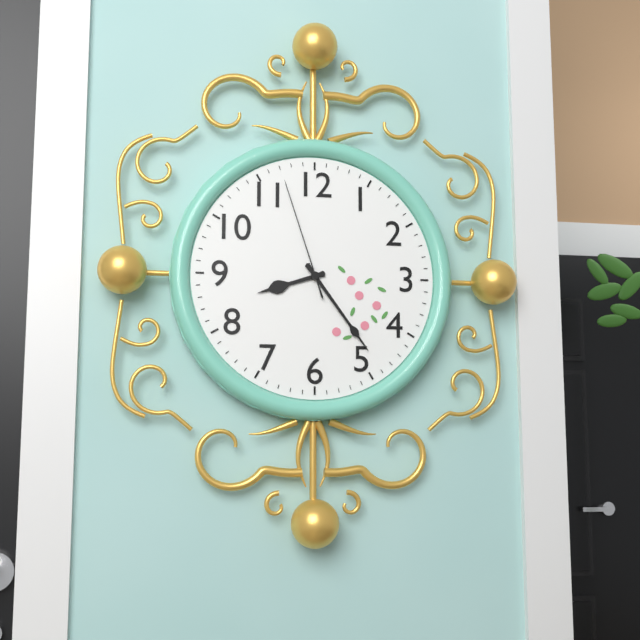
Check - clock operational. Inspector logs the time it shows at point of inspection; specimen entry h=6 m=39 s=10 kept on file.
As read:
h=8 m=24 s=57
